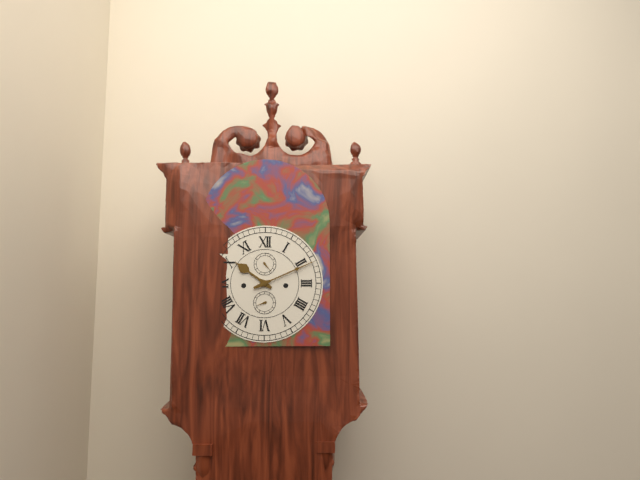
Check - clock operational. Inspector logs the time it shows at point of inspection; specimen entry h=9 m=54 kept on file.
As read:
h=10 m=11
